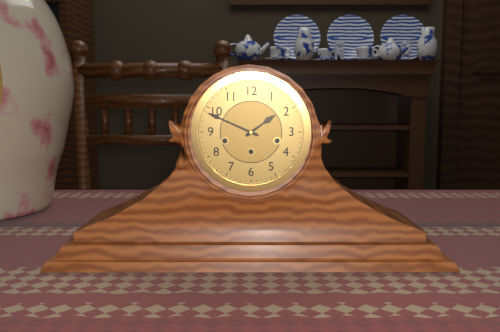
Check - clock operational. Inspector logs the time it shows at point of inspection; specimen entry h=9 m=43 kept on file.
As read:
h=1 m=49
